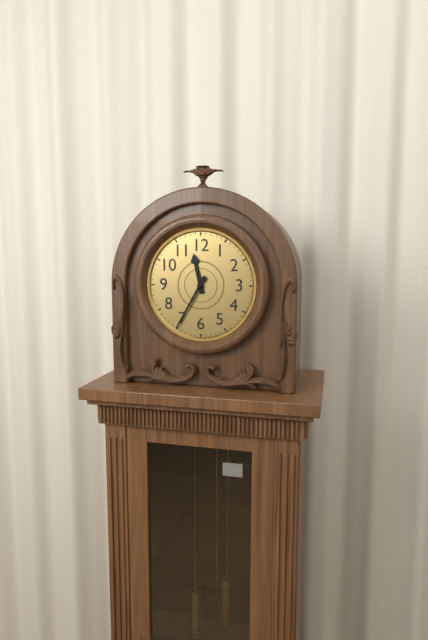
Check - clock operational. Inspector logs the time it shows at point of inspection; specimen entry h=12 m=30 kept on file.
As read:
h=11 m=35
